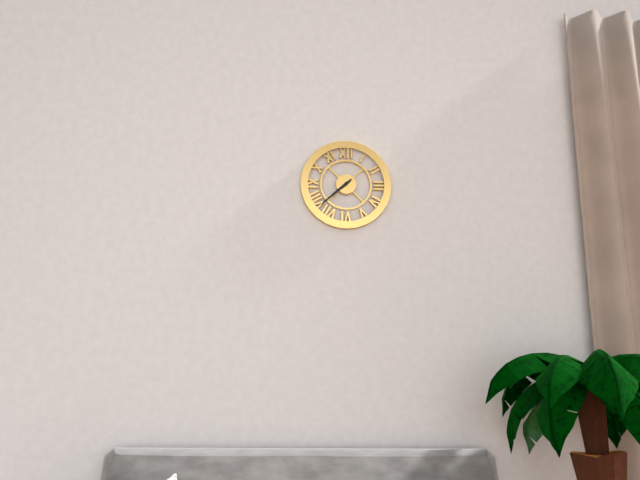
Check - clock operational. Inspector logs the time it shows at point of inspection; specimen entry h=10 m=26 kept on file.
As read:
h=7 m=38
